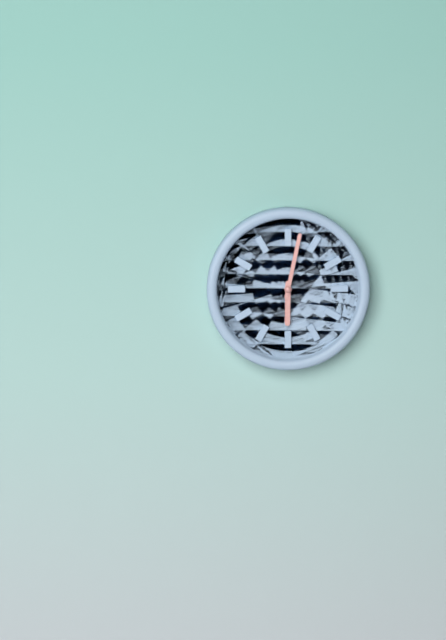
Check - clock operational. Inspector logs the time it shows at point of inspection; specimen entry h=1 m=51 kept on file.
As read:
h=6 m=2
